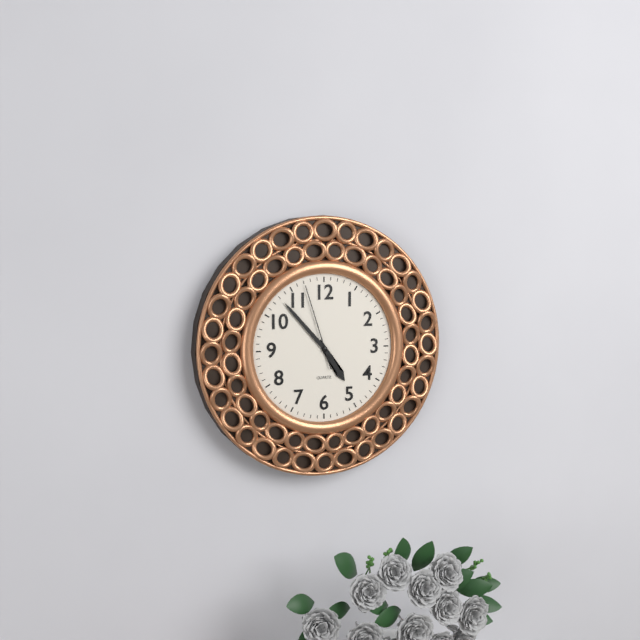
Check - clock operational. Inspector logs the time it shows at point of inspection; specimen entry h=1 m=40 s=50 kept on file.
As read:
h=4 m=53 s=57
